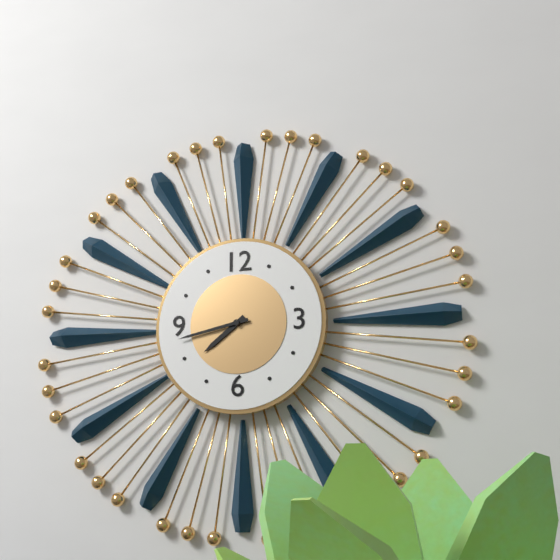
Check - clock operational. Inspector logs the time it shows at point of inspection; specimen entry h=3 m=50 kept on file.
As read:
h=7 m=43
